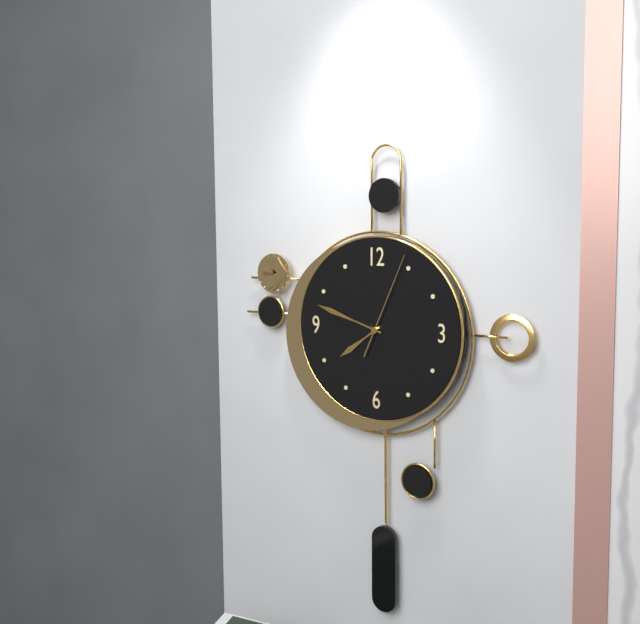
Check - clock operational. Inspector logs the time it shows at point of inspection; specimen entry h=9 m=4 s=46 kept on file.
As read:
h=7 m=48 s=4
